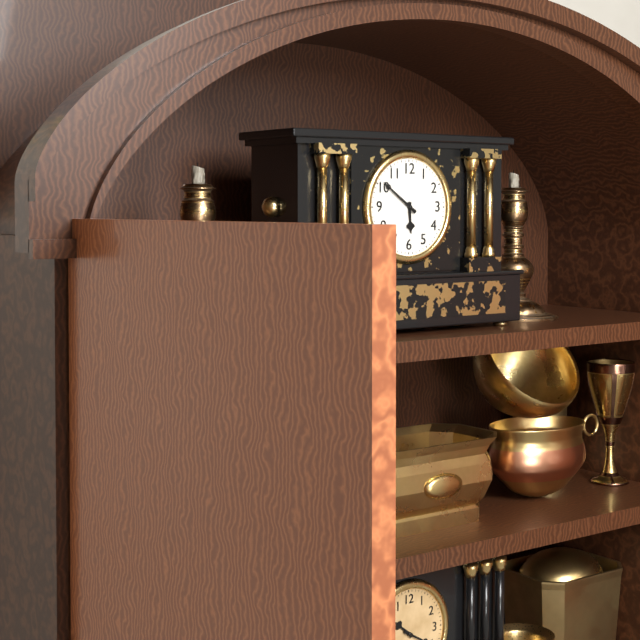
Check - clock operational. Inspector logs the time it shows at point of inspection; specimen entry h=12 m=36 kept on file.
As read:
h=5 m=51
